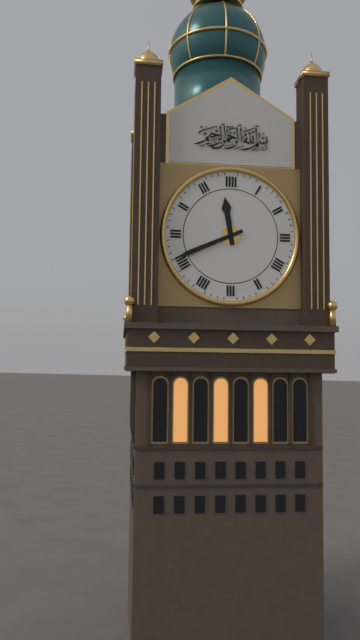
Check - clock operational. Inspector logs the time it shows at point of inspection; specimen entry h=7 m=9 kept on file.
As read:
h=11 m=41
